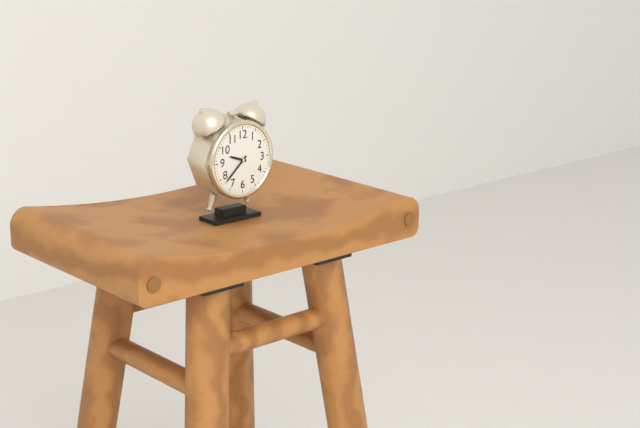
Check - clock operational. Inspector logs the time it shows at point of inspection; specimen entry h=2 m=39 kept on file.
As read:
h=9 m=38
